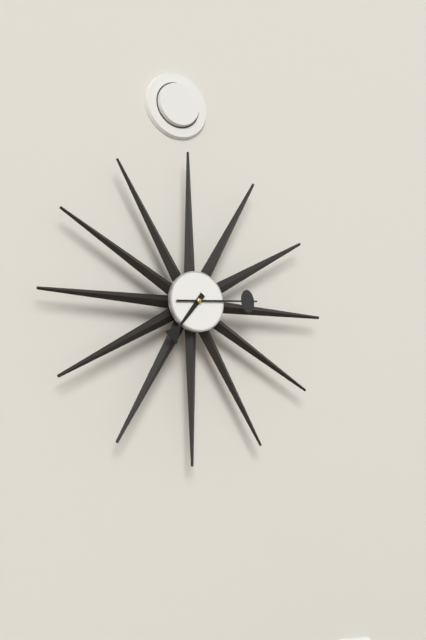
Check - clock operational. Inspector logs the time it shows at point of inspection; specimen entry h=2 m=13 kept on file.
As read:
h=7 m=14
